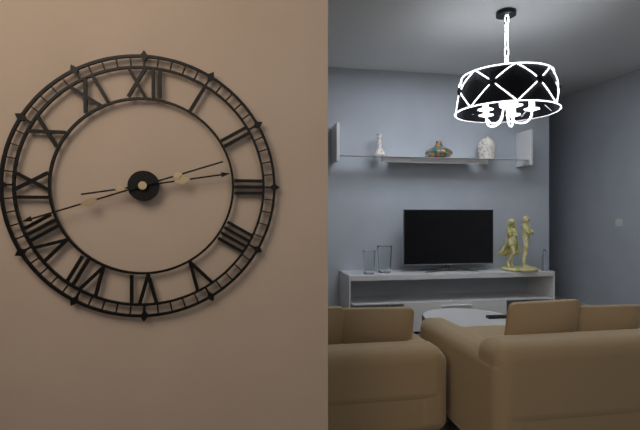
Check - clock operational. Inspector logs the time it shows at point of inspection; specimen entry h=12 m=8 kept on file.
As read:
h=2 m=42
